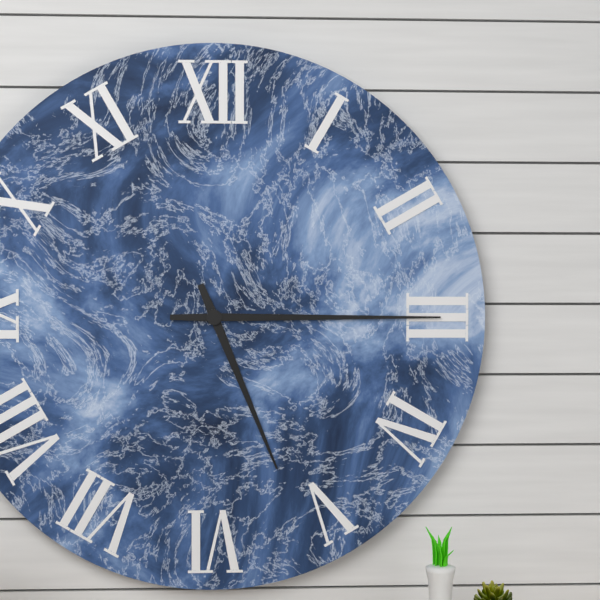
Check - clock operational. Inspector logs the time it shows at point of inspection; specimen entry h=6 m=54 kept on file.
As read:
h=5 m=15
